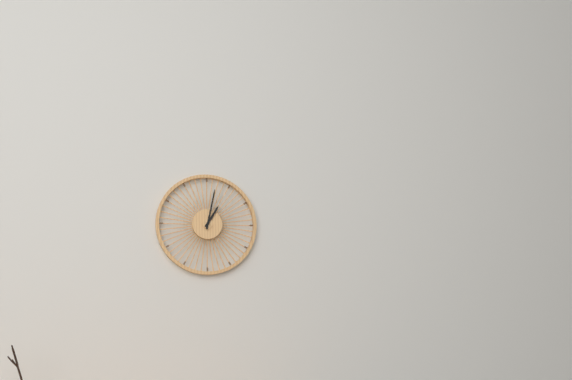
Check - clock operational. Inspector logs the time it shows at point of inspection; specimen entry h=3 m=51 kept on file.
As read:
h=1 m=2
